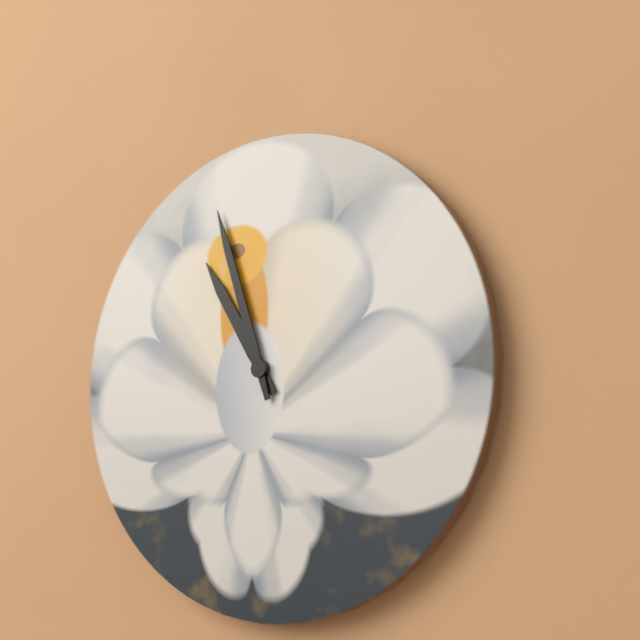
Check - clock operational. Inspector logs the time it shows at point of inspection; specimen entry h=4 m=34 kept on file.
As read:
h=10 m=57
